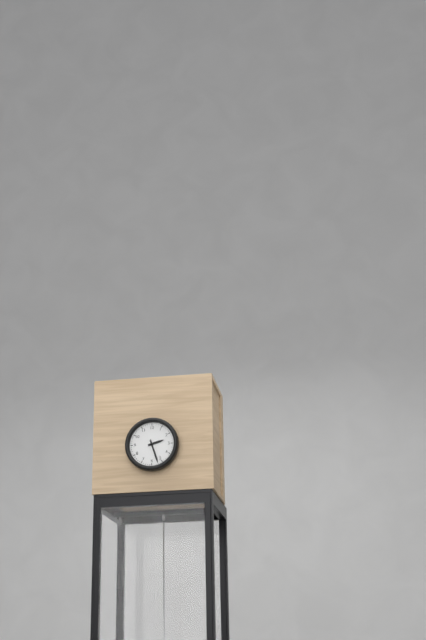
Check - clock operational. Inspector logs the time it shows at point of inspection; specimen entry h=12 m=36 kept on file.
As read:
h=2 m=27
